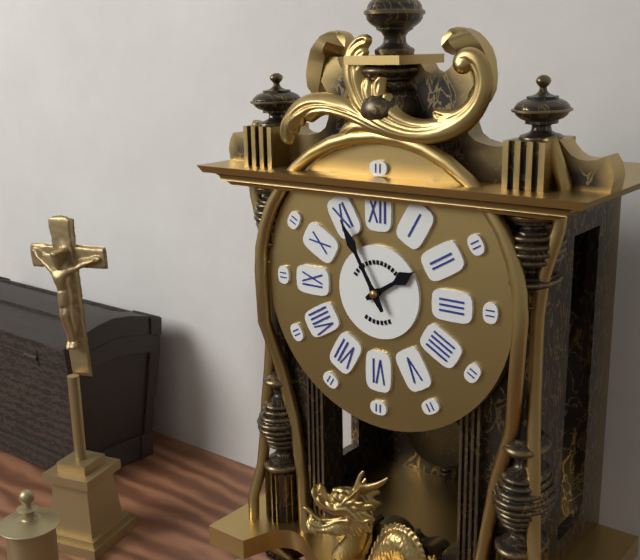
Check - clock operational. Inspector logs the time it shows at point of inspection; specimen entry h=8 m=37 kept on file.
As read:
h=1 m=55
